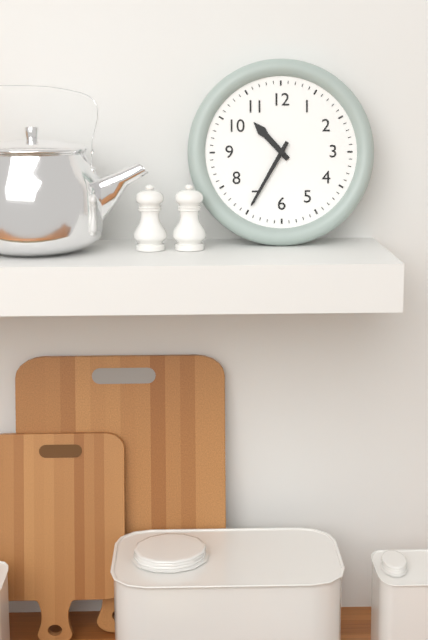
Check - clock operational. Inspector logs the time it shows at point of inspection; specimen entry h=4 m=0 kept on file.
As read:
h=10 m=35
